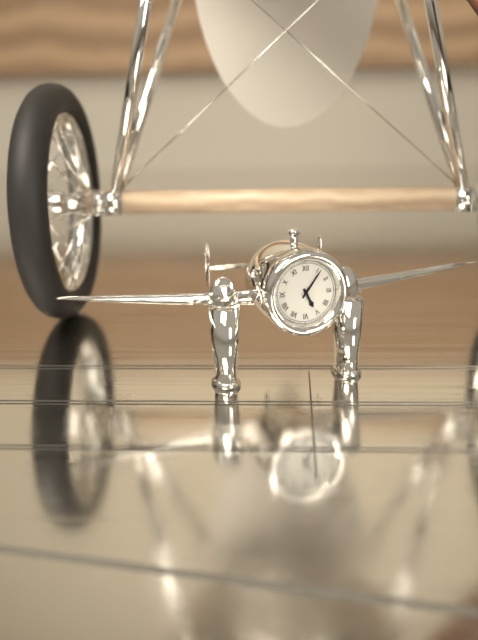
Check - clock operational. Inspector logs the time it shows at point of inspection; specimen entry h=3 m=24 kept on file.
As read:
h=5 m=6
